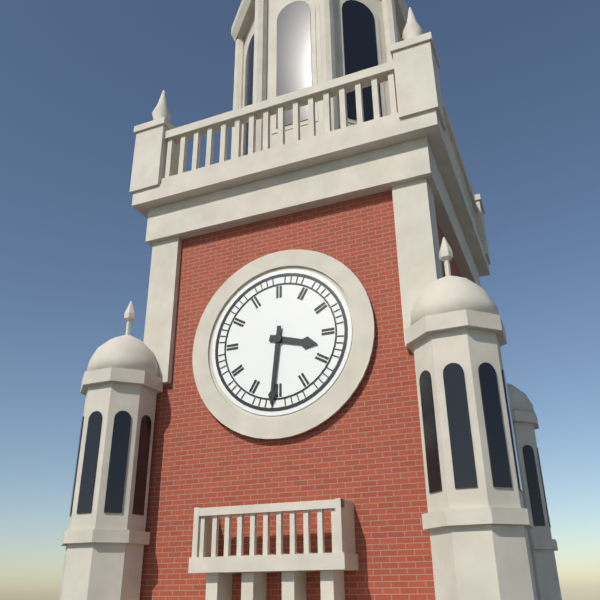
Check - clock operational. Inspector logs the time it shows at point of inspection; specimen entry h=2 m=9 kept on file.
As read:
h=3 m=31
